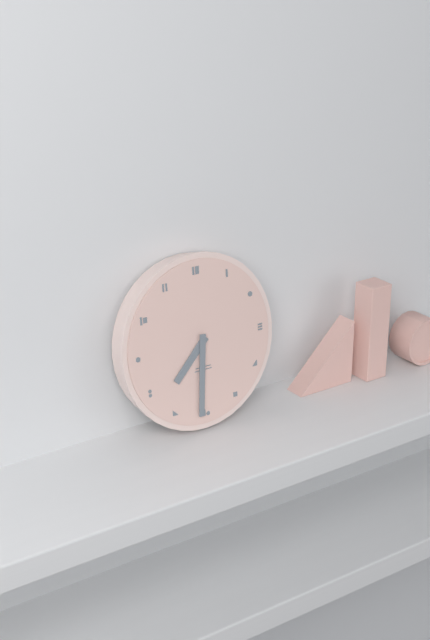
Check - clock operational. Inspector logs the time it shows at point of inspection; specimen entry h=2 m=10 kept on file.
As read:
h=7 m=31
